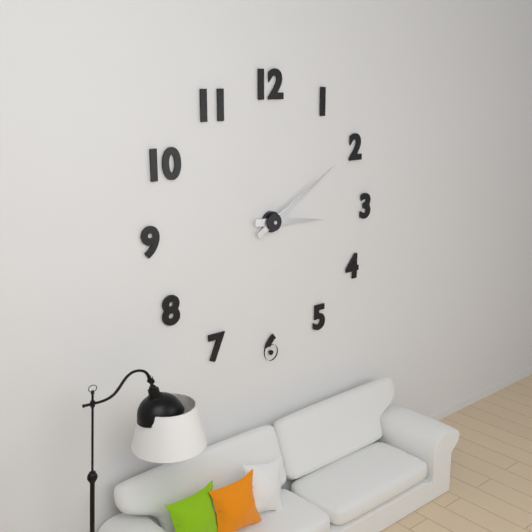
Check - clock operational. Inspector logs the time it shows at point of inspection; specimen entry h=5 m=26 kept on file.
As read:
h=3 m=10
